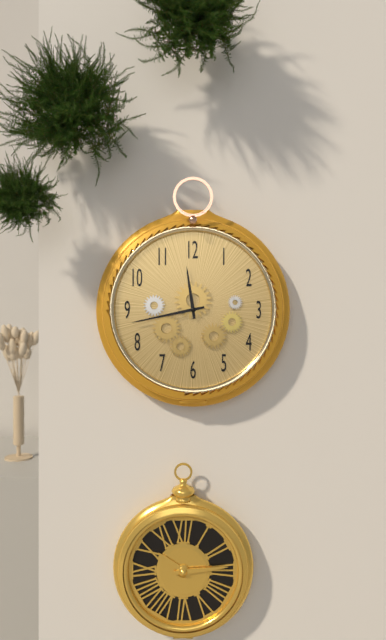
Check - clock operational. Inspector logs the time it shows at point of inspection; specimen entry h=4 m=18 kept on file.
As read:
h=11 m=43
